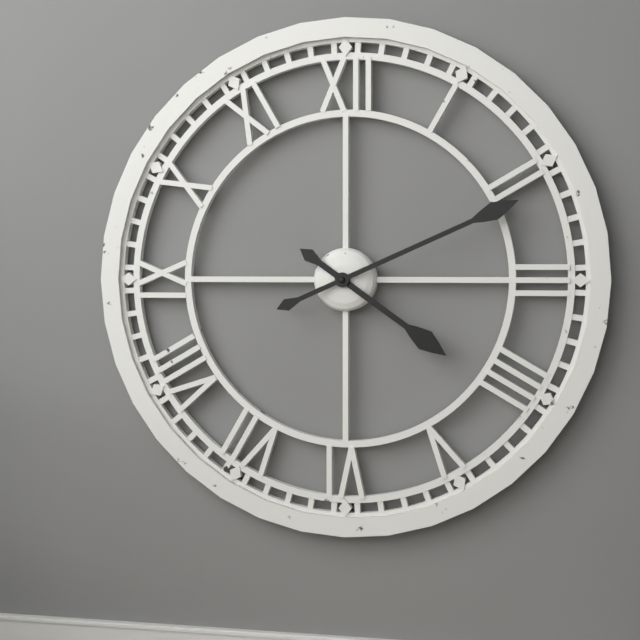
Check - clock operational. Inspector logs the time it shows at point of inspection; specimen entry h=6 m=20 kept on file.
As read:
h=4 m=11
